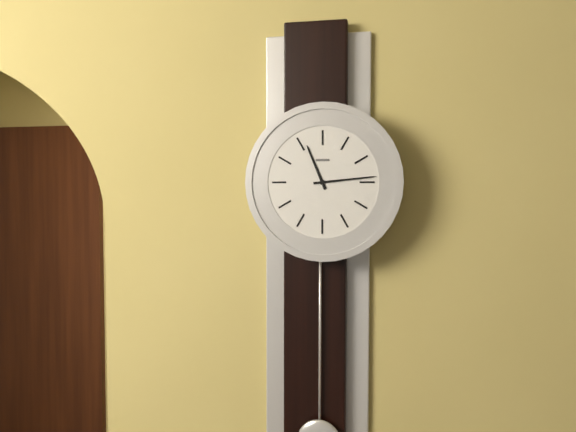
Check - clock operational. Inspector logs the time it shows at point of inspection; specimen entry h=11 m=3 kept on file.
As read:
h=11 m=14
